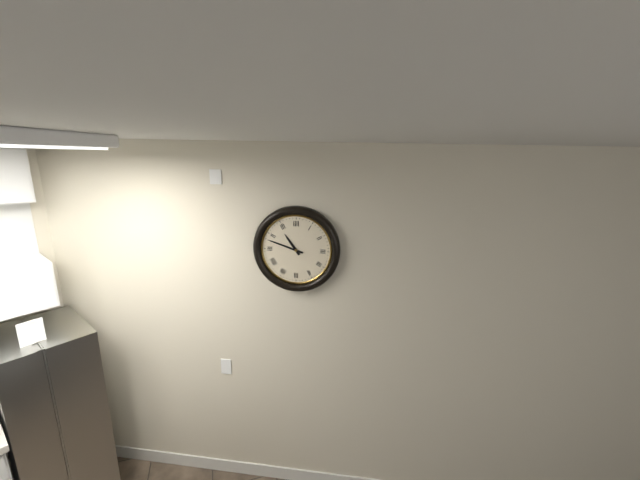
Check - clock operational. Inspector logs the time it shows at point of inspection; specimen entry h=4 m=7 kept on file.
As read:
h=10 m=48
